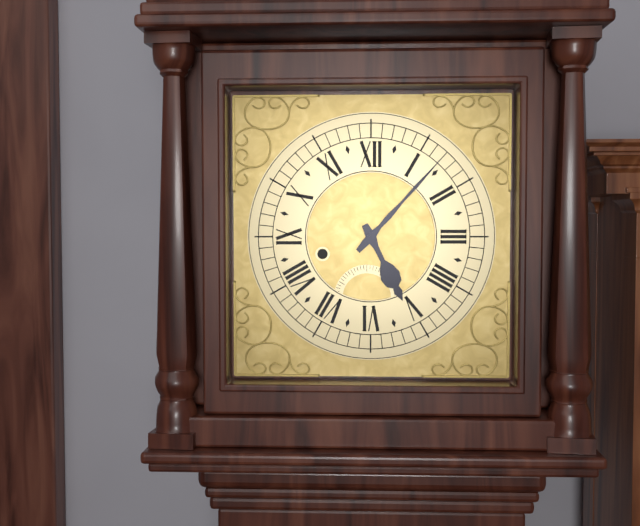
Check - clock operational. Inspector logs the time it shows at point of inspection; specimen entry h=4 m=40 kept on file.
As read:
h=5 m=7
